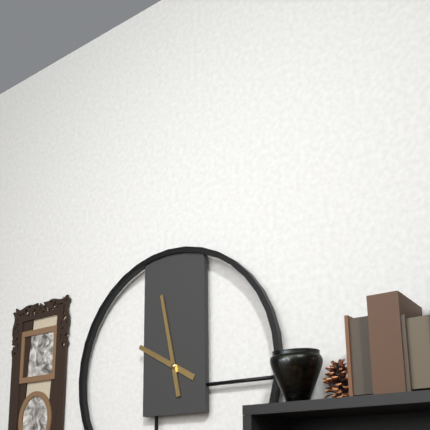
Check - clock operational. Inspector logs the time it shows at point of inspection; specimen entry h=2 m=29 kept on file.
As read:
h=9 m=58
